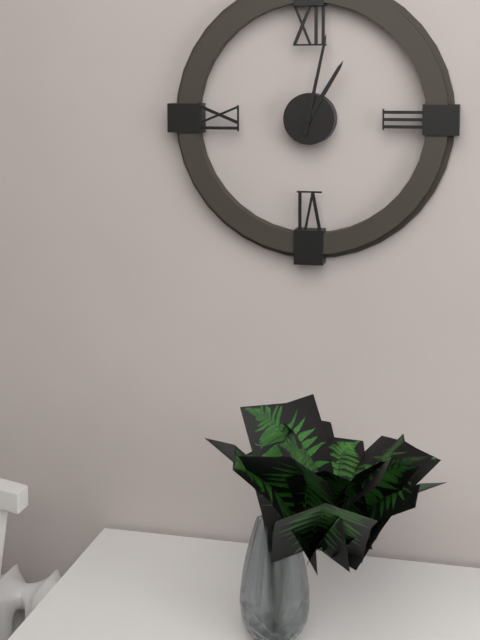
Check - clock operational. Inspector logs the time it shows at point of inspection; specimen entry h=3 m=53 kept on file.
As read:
h=1 m=2
